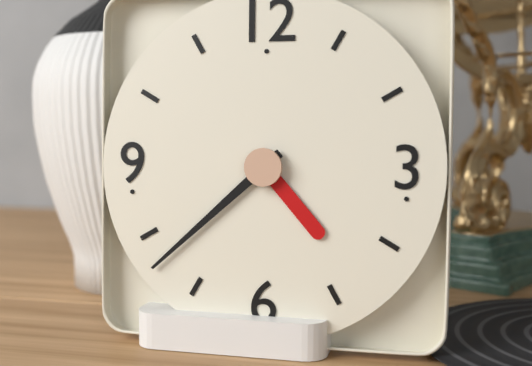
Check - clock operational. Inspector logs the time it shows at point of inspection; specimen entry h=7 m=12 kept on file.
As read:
h=4 m=38
